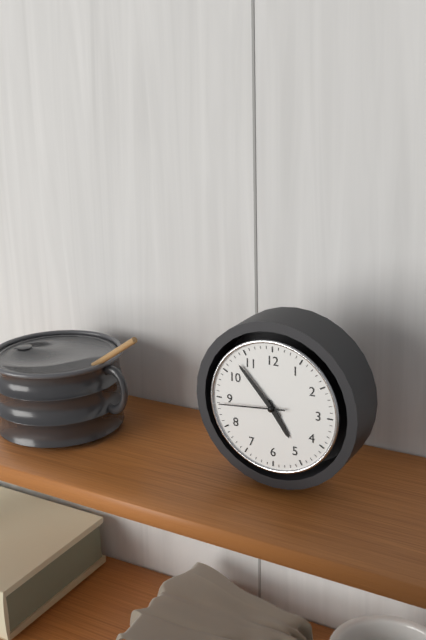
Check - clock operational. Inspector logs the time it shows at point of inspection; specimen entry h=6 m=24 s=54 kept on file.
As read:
h=4 m=53 s=44
